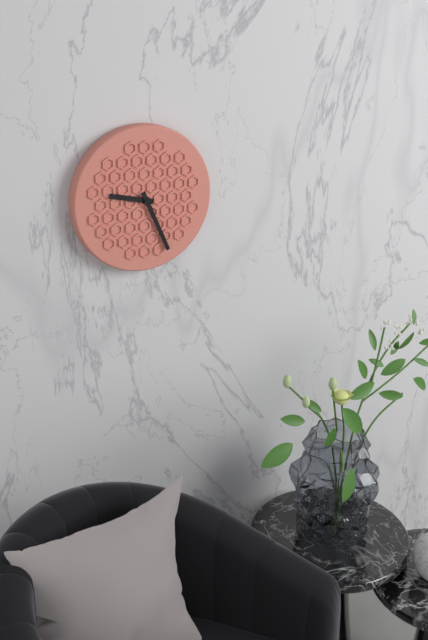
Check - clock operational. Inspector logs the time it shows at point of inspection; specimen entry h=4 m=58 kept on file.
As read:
h=9 m=26
